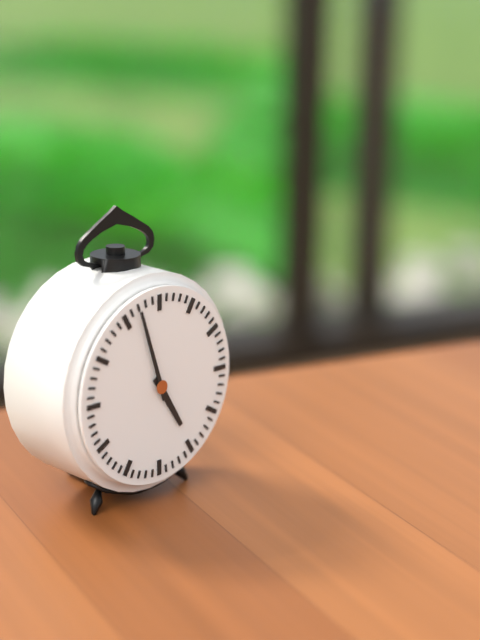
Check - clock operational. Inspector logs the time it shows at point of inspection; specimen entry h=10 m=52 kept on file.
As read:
h=4 m=57
